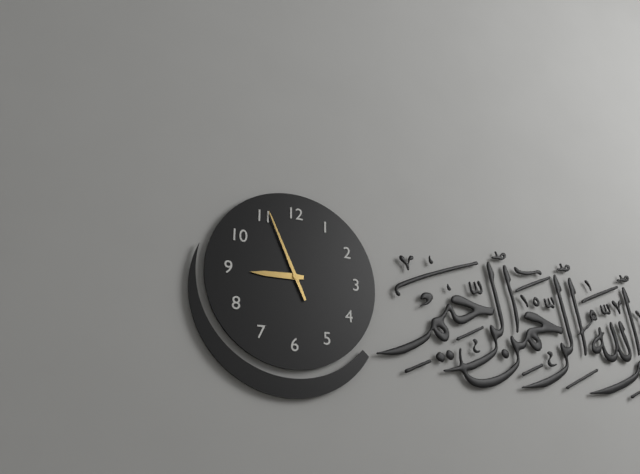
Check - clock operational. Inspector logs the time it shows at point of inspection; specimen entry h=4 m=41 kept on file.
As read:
h=8 m=56
